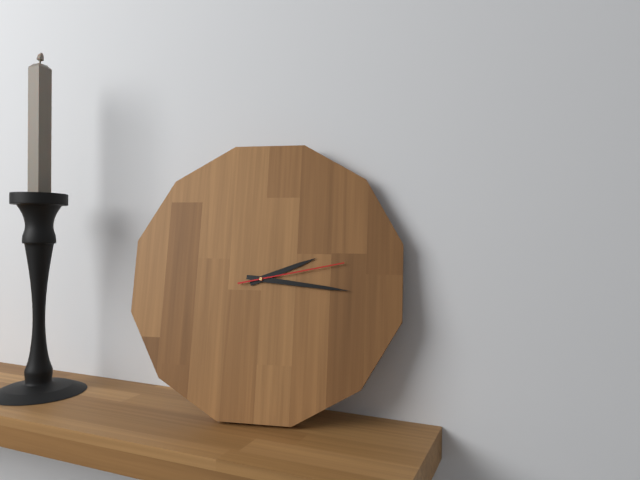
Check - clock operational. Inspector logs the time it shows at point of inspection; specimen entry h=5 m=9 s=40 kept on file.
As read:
h=2 m=16 s=13
